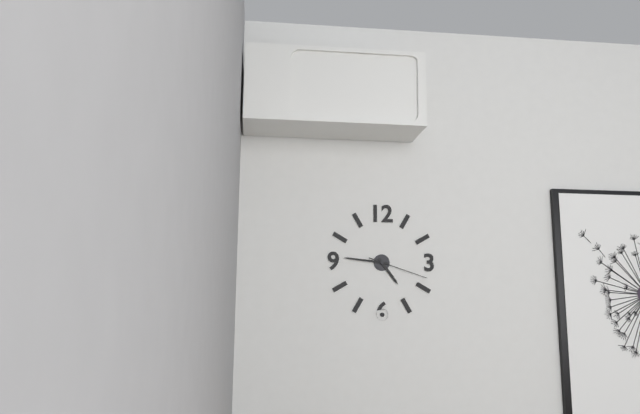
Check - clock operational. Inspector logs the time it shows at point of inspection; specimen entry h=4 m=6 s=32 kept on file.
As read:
h=4 m=46 s=18
